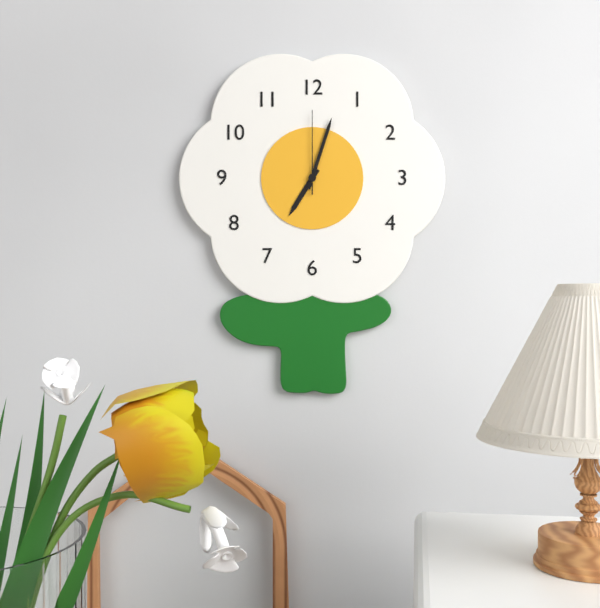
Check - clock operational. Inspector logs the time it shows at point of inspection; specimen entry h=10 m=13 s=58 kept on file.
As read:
h=7 m=3 s=0
